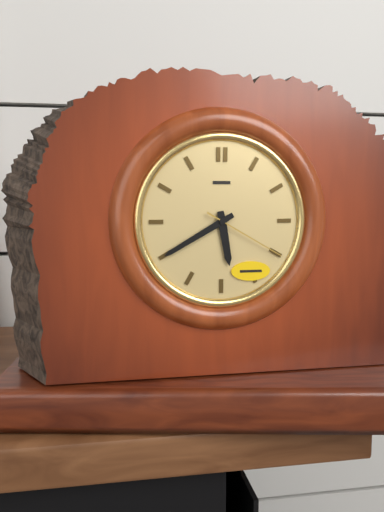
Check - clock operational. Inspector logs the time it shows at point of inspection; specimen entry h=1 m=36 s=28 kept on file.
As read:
h=5 m=40 s=20
